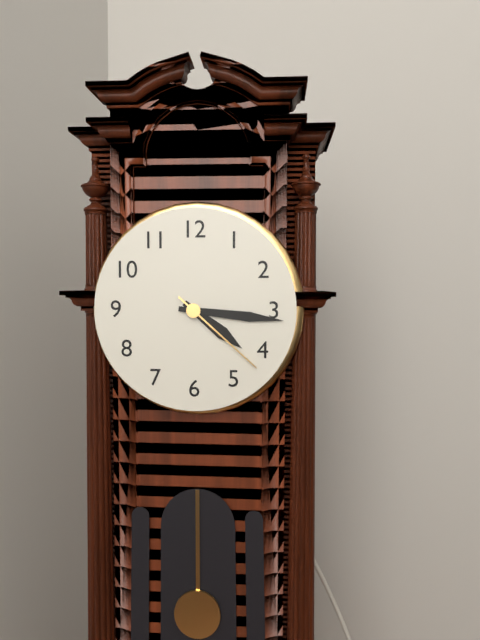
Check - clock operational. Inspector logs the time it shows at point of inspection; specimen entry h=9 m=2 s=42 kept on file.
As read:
h=4 m=16 s=22
